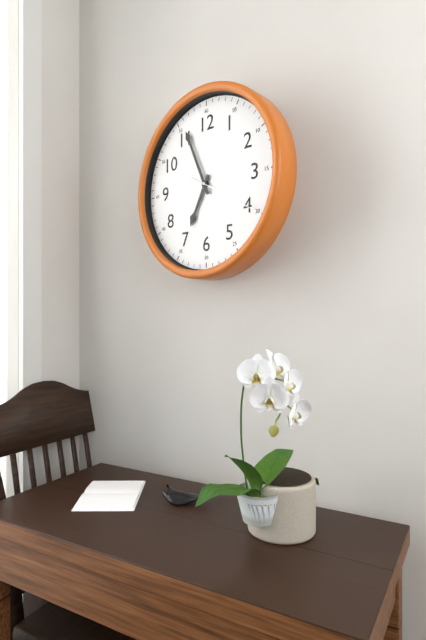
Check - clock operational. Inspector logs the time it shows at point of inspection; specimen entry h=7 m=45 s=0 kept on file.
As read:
h=6 m=56 s=20
